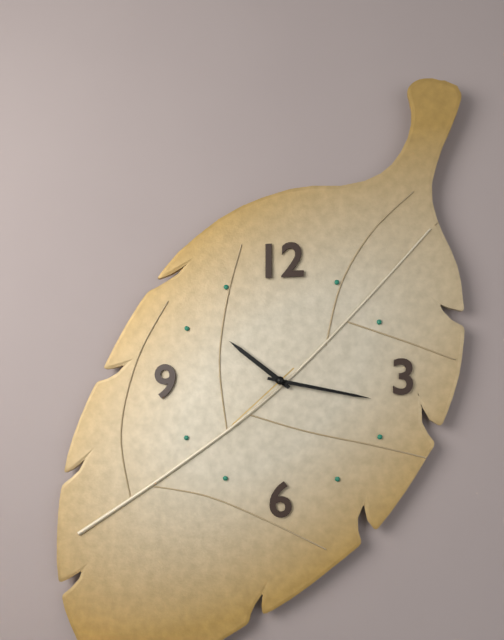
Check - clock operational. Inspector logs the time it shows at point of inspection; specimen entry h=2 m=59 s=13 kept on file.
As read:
h=10 m=17 s=38
